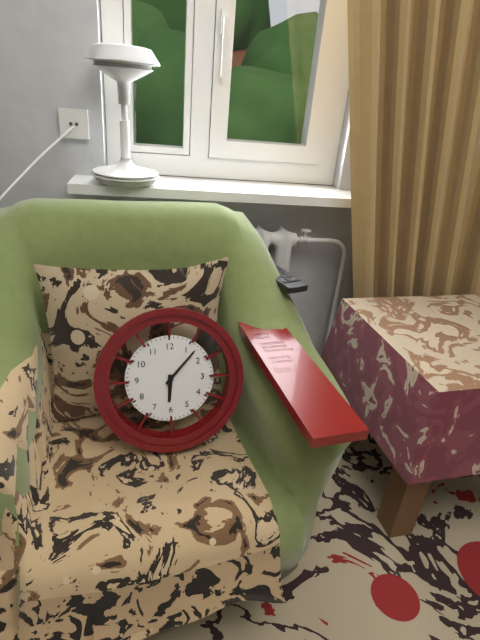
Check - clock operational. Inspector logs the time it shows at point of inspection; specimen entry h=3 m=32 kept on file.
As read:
h=6 m=7
